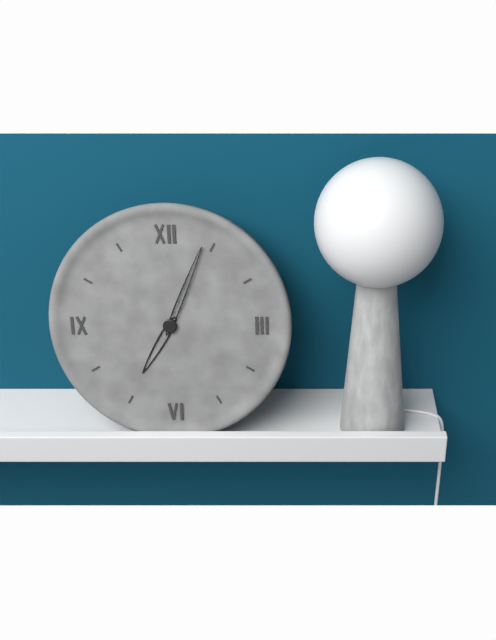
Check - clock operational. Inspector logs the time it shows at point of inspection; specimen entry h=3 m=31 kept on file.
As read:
h=7 m=4
